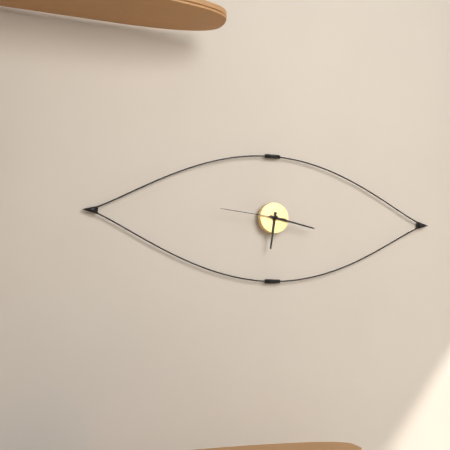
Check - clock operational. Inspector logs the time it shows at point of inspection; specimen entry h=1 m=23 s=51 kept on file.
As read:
h=6 m=17 s=46
